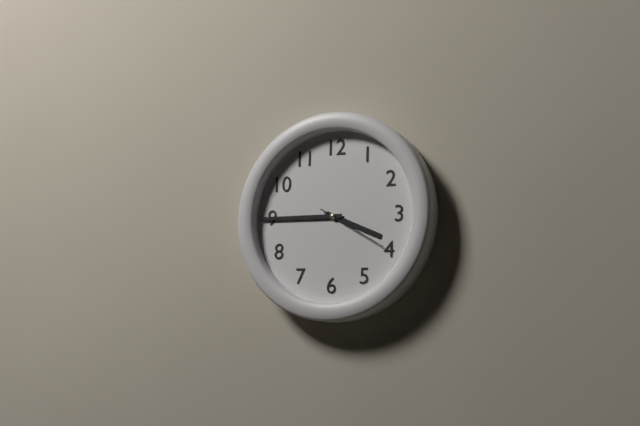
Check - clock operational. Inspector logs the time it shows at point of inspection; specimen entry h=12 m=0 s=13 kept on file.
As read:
h=3 m=45 s=20
